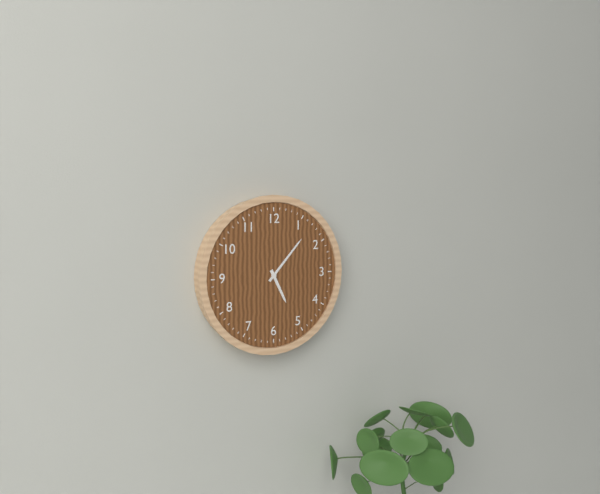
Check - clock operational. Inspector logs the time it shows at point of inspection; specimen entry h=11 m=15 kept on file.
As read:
h=5 m=7
